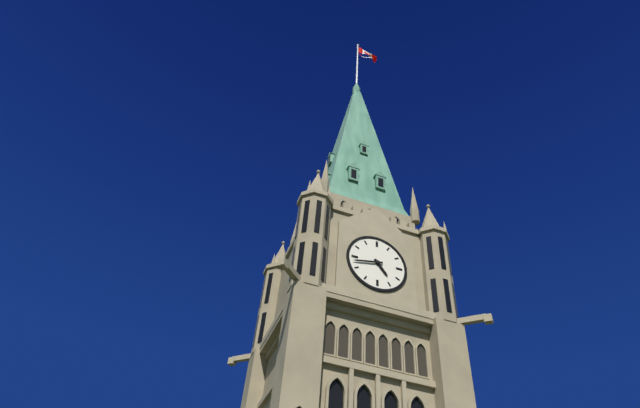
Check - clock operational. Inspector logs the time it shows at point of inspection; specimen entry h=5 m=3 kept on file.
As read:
h=4 m=43
